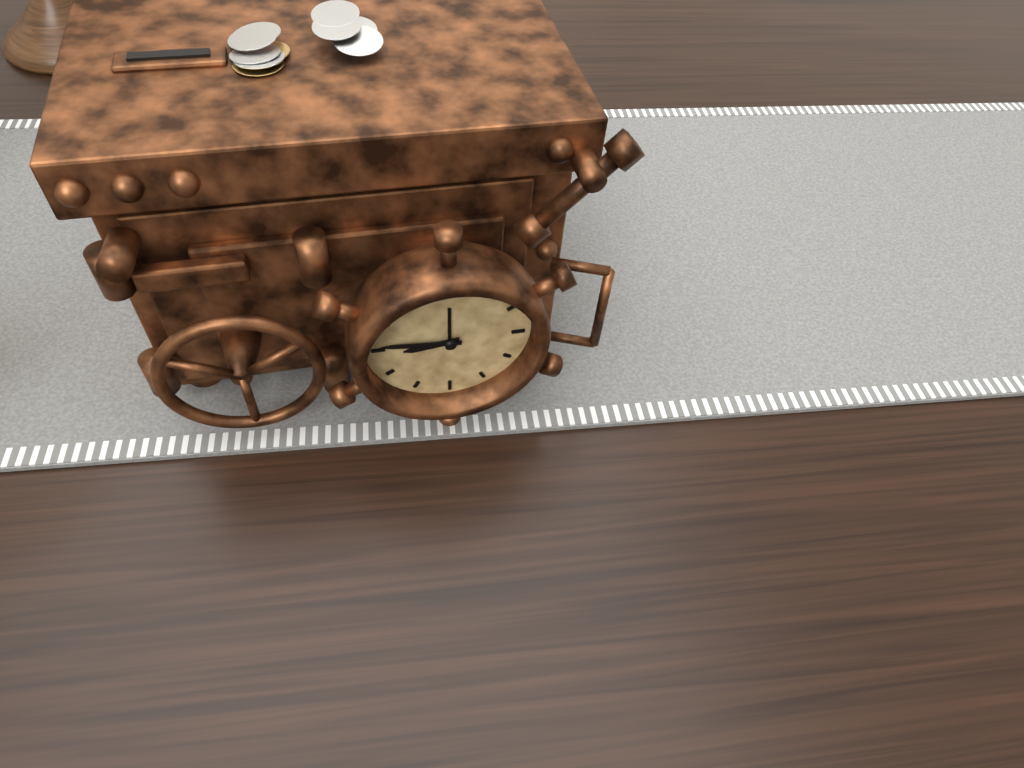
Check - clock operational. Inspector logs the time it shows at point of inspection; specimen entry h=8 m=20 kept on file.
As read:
h=8 m=46
